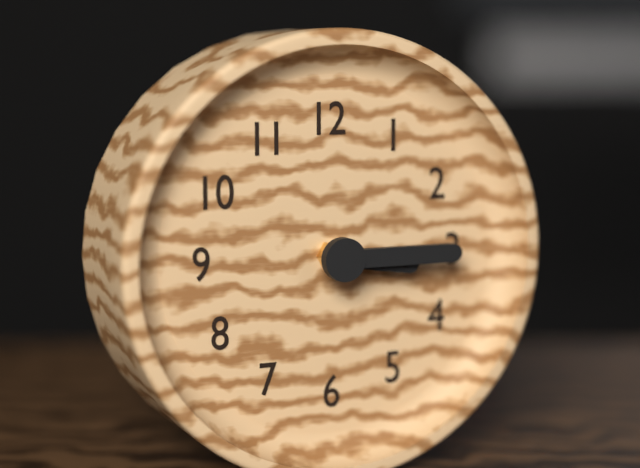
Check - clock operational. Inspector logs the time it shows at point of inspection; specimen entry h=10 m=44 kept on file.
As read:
h=3 m=15
